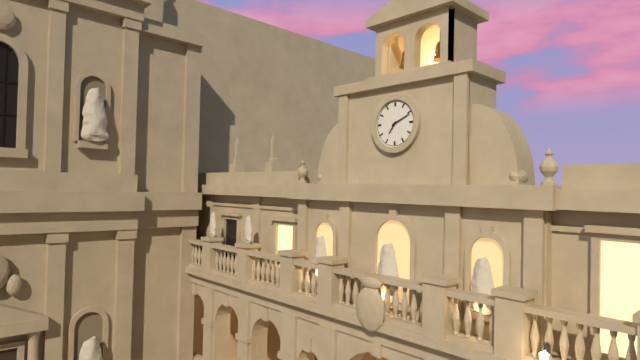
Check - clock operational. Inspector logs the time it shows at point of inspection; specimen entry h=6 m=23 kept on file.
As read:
h=7 m=11
